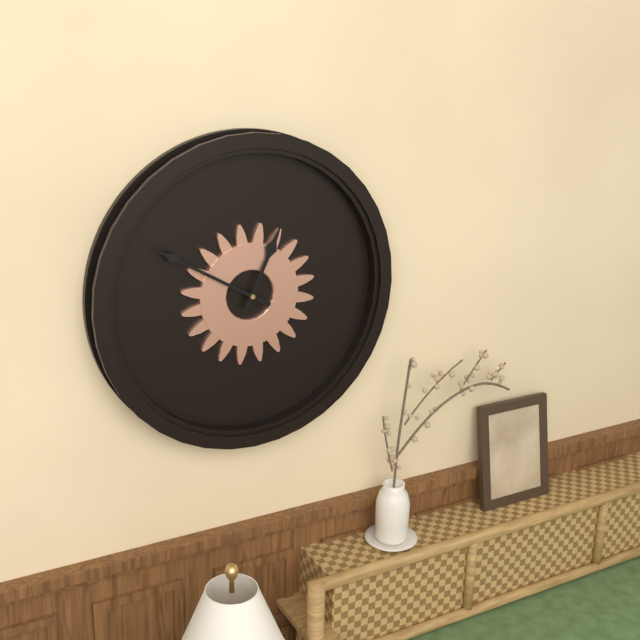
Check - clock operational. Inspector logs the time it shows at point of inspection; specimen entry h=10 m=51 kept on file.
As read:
h=12 m=50
